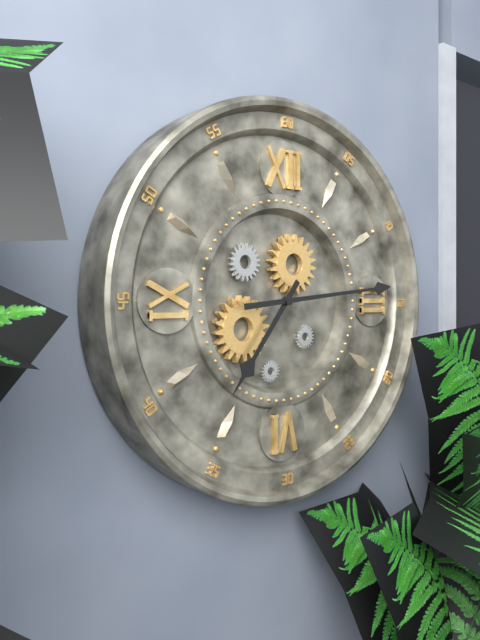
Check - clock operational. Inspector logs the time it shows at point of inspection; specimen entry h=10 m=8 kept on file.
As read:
h=7 m=14
